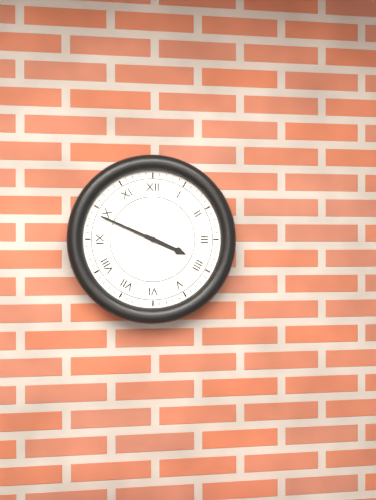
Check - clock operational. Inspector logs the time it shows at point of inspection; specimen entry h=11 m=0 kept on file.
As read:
h=3 m=49
